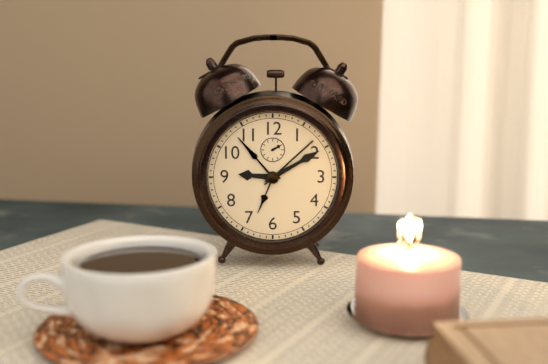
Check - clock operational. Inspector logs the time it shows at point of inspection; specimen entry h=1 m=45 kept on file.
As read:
h=9 m=10
